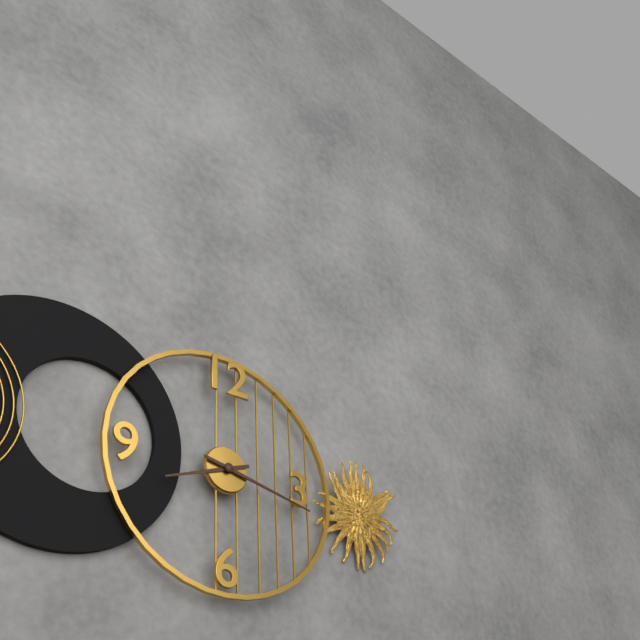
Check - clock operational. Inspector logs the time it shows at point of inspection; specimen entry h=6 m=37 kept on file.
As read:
h=8 m=17
